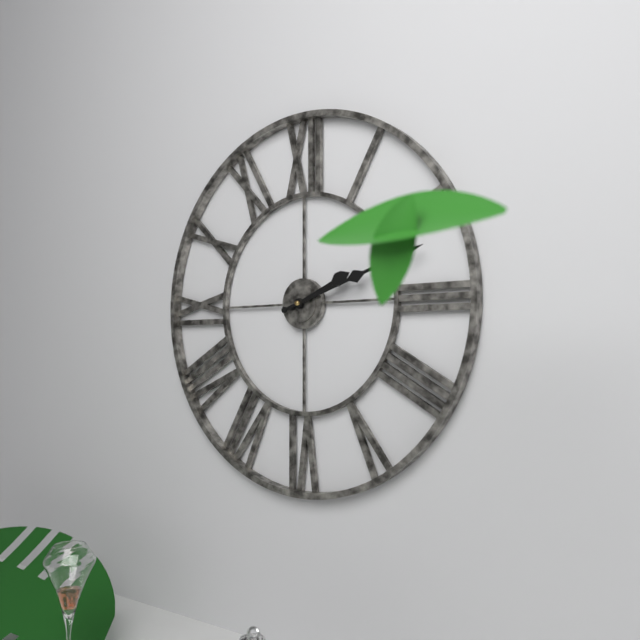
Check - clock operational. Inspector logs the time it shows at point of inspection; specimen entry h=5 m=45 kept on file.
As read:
h=2 m=12
